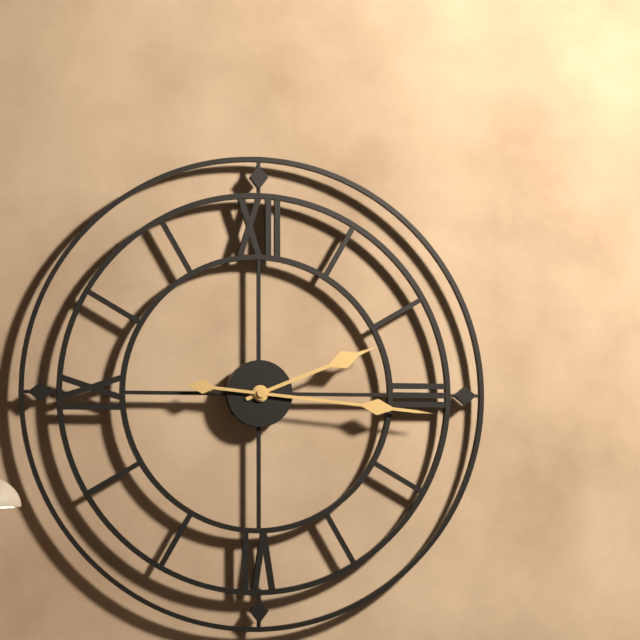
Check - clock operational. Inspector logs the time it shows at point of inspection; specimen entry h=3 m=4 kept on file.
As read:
h=2 m=16
